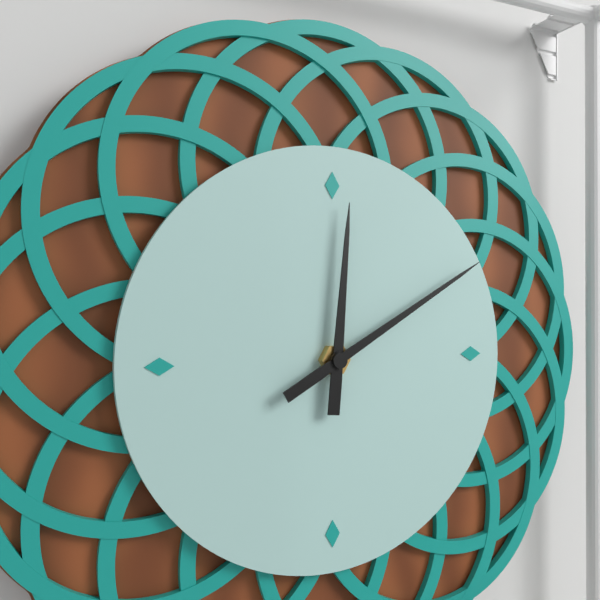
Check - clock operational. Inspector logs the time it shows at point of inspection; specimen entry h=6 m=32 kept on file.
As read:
h=12 m=10
